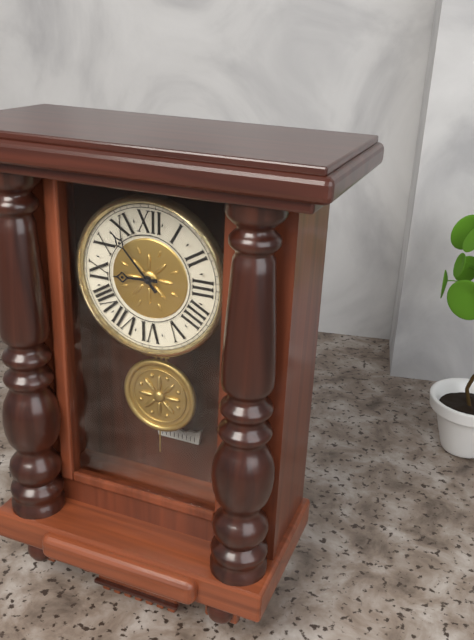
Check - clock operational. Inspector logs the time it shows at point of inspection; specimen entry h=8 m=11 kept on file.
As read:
h=8 m=53
